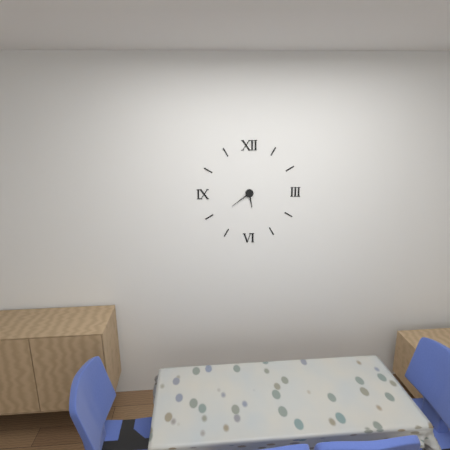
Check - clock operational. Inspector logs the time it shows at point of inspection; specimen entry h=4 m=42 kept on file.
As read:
h=5 m=39
